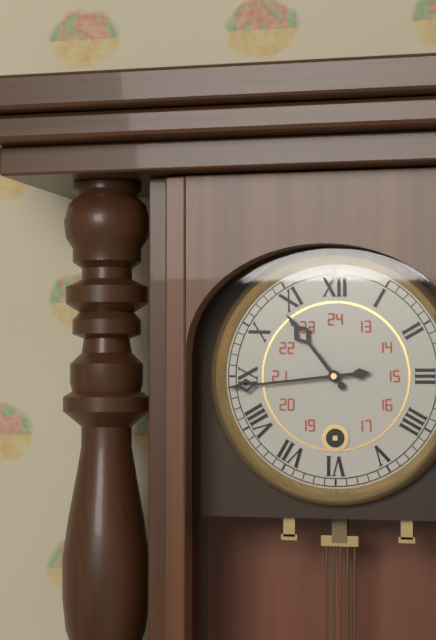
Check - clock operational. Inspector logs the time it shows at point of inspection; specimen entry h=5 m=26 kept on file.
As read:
h=10 m=44
